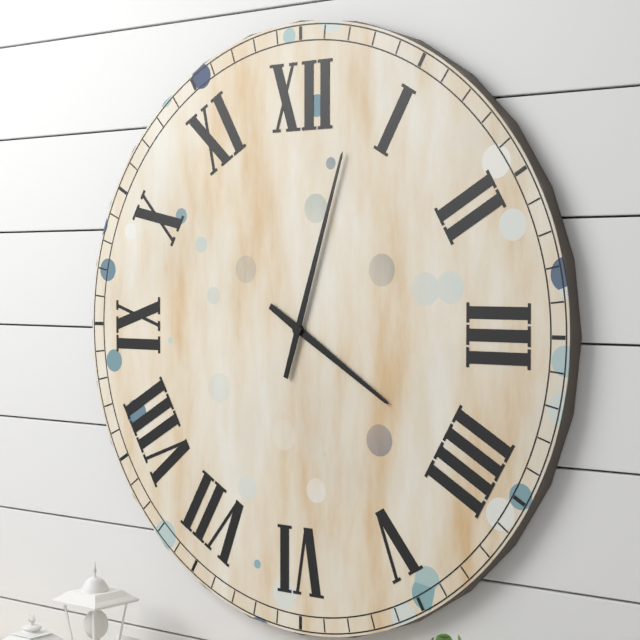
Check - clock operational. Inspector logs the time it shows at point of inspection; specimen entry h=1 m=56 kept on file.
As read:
h=4 m=3
